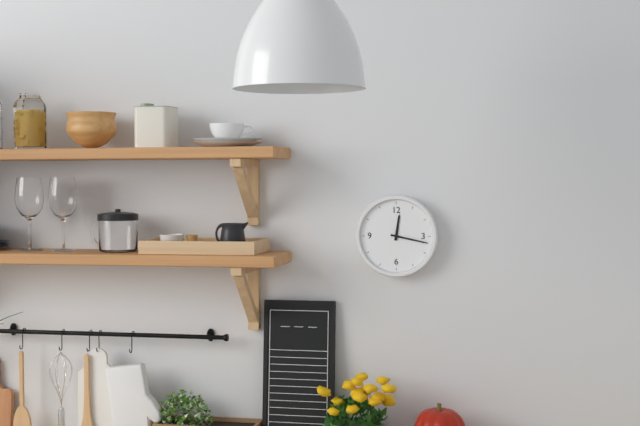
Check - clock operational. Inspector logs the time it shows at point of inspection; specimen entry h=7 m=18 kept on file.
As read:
h=12 m=17
